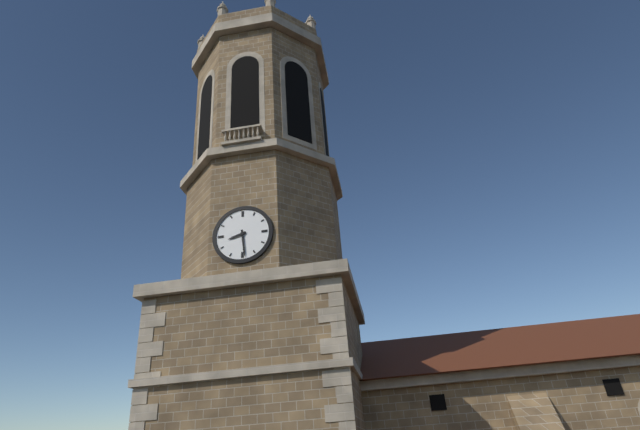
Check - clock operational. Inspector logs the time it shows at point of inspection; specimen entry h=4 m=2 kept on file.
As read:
h=8 m=29
